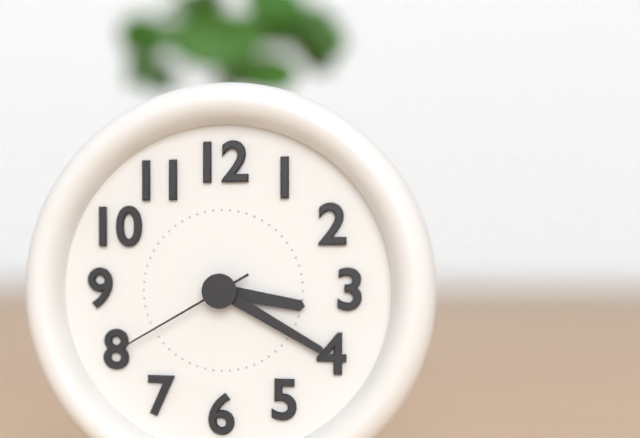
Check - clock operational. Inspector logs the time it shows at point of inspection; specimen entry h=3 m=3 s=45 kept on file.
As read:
h=3 m=20 s=40
